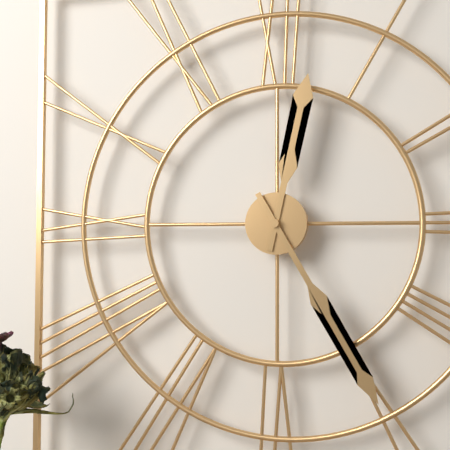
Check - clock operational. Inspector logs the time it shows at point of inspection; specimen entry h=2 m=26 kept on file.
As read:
h=12 m=25
